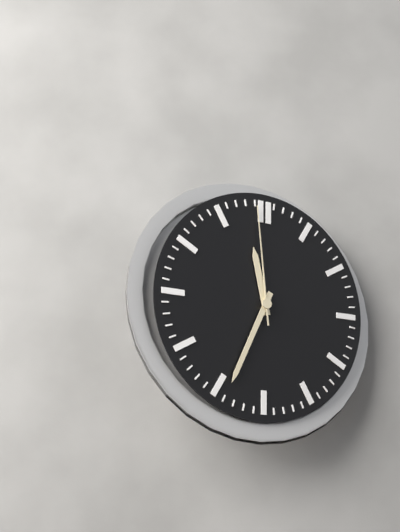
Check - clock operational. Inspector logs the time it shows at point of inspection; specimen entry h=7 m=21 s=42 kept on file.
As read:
h=11 m=34 s=59
